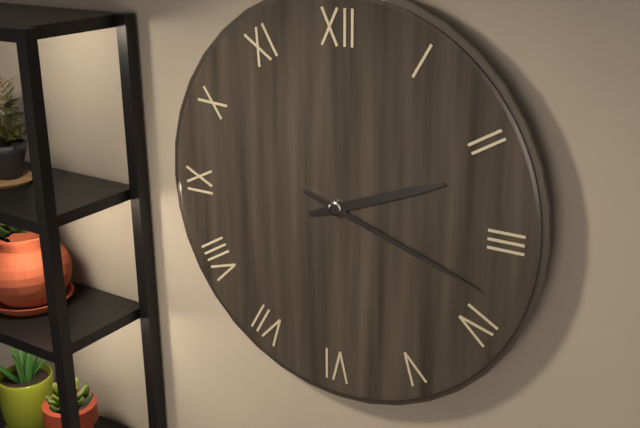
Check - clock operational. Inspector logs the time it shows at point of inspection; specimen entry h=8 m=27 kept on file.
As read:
h=2 m=18
